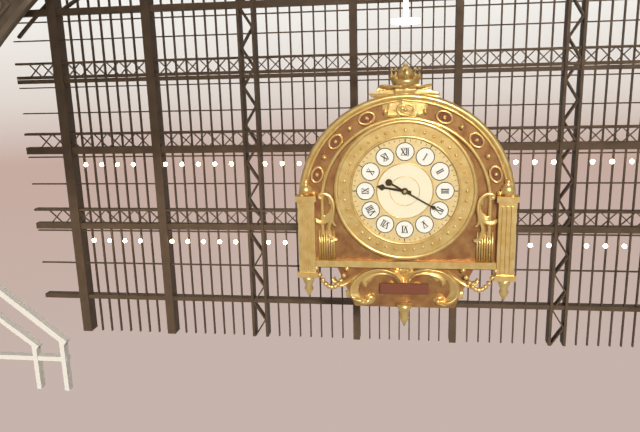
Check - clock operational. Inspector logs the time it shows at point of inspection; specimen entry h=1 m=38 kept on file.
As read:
h=9 m=20
